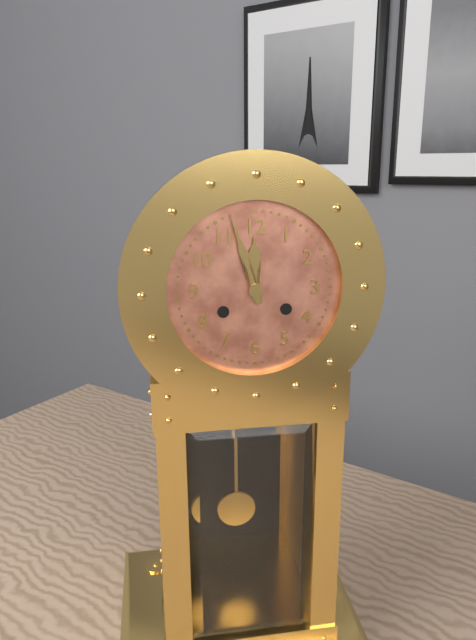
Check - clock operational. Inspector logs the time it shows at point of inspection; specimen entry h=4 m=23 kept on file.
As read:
h=11 m=57
